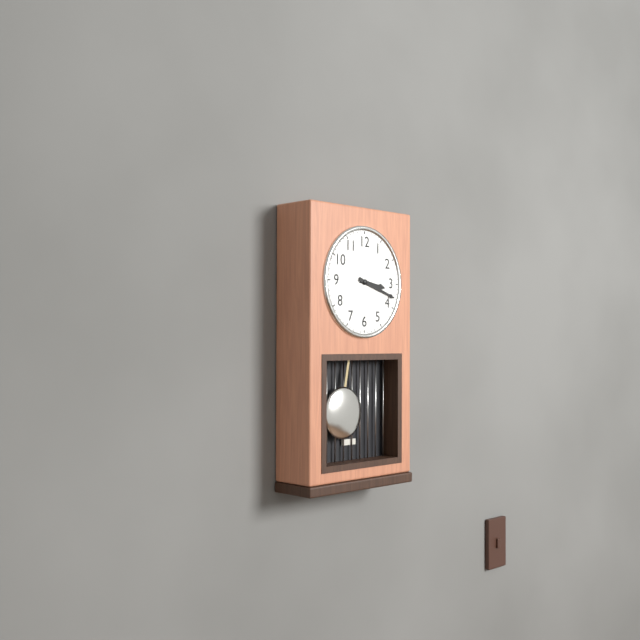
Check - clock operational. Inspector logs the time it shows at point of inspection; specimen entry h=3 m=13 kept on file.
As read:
h=3 m=18
